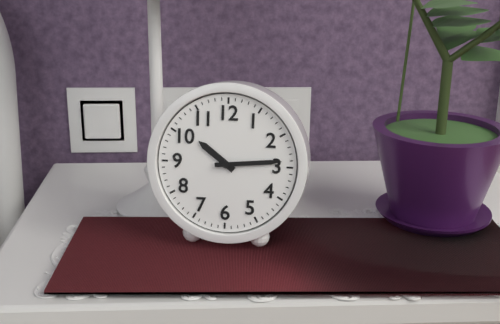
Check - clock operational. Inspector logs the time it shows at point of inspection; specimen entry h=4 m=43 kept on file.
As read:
h=10 m=14
